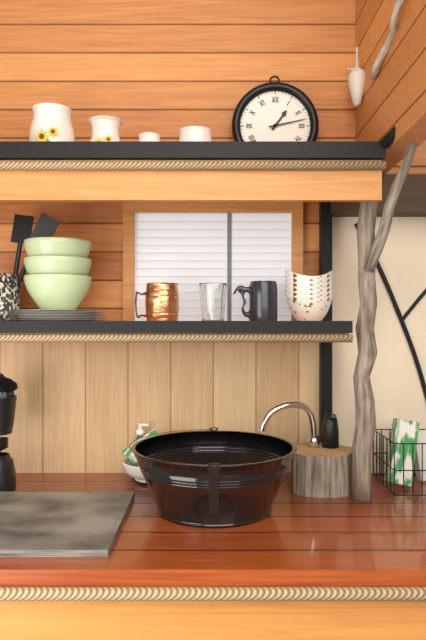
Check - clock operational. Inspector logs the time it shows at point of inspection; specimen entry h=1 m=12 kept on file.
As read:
h=1 m=13
